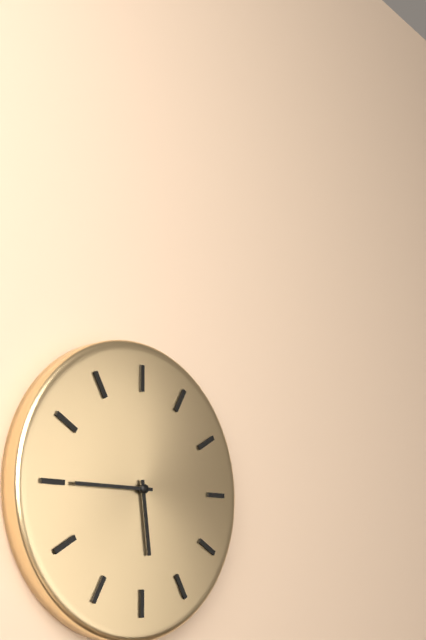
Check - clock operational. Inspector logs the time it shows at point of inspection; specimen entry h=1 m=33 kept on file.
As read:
h=5 m=45
